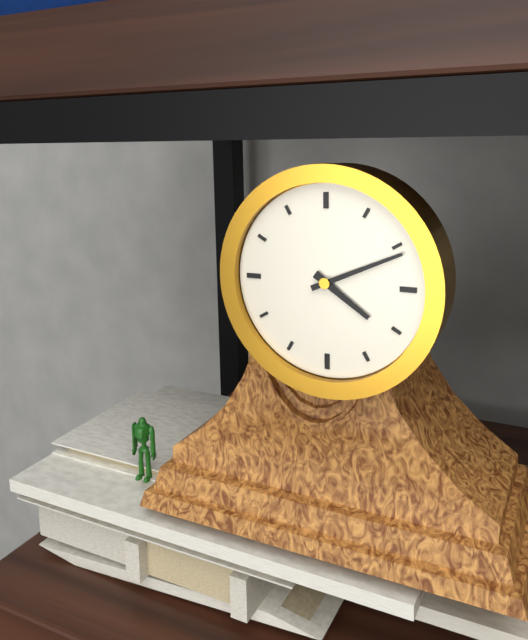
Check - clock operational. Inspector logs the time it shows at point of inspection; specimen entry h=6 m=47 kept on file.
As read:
h=4 m=11
